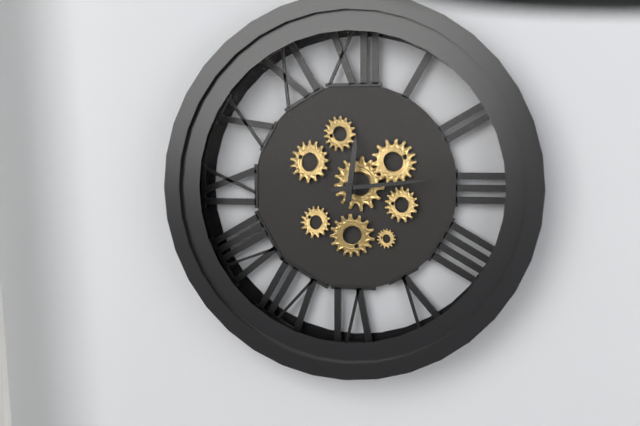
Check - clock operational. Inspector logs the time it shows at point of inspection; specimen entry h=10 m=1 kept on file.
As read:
h=12 m=14
